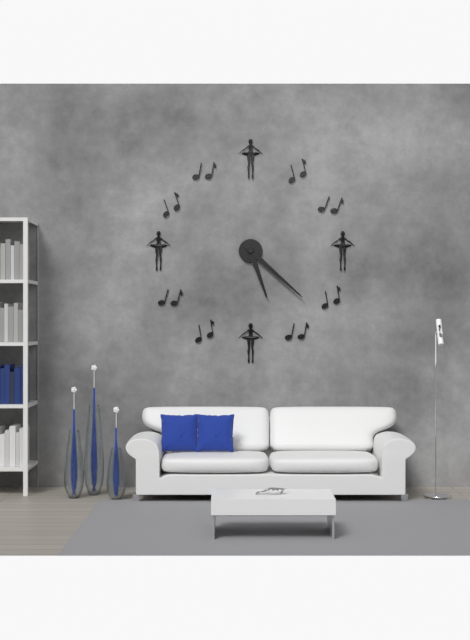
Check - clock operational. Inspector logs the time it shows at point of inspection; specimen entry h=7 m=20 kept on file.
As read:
h=5 m=22
